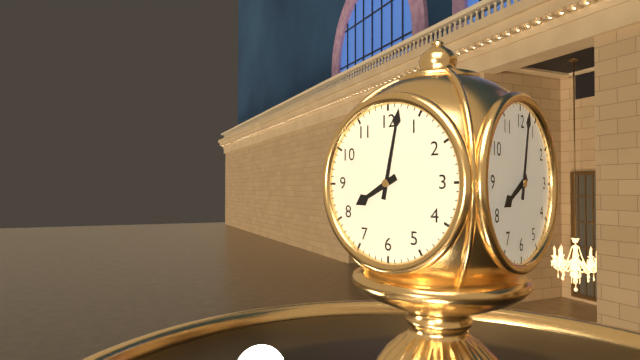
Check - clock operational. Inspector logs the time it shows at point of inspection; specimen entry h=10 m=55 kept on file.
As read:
h=8 m=2
